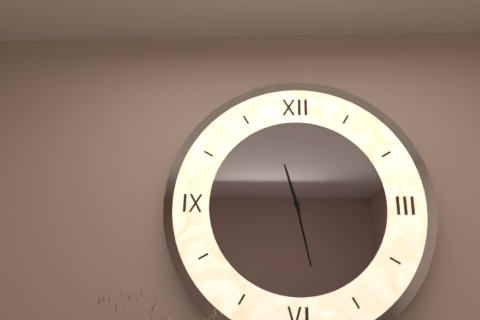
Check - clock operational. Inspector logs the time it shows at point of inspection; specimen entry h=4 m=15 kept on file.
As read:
h=11 m=28
